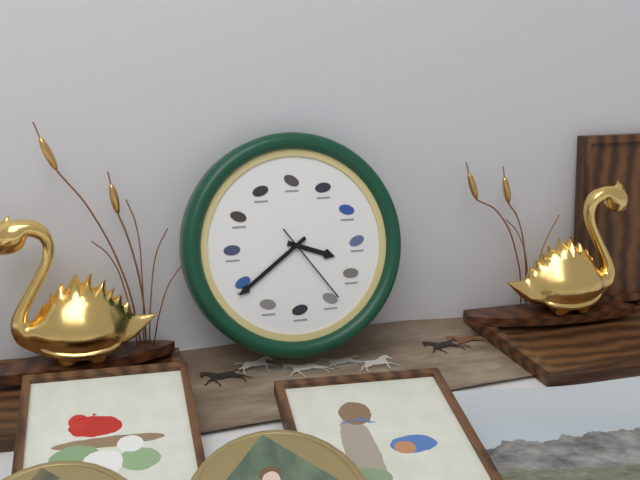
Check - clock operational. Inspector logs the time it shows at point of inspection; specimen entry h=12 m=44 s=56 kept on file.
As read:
h=3 m=39 s=24
